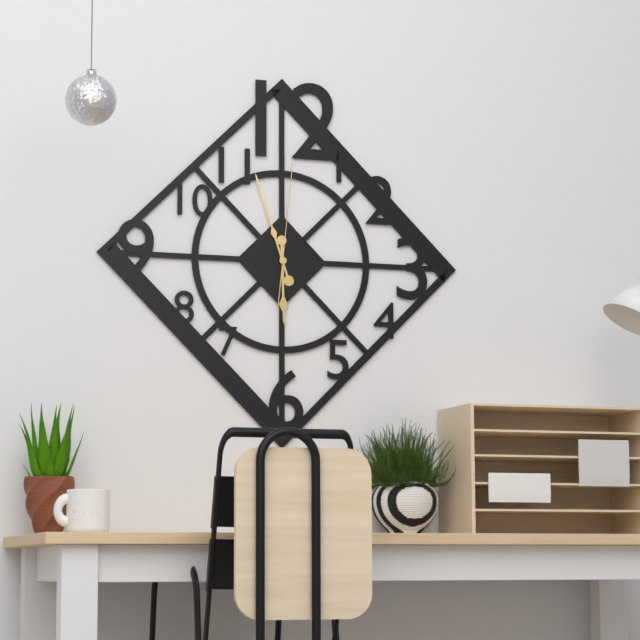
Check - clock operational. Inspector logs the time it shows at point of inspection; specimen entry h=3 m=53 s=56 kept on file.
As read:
h=5 m=57 s=1
